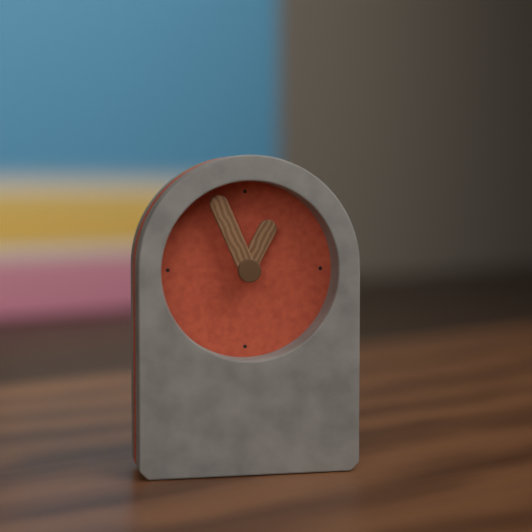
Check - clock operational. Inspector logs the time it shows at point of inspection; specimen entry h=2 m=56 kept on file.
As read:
h=12 m=56
